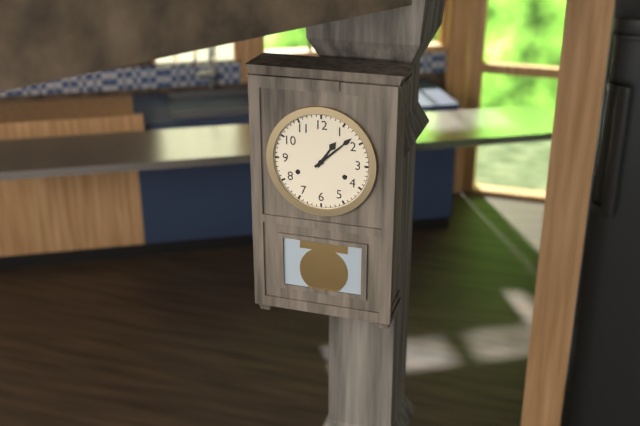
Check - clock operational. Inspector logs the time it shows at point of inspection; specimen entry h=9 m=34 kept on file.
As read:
h=1 m=8
